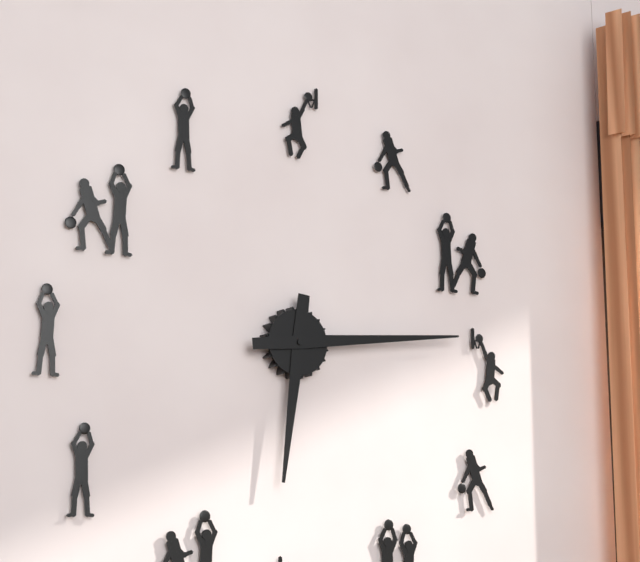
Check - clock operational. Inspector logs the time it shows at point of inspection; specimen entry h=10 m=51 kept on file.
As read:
h=6 m=14
